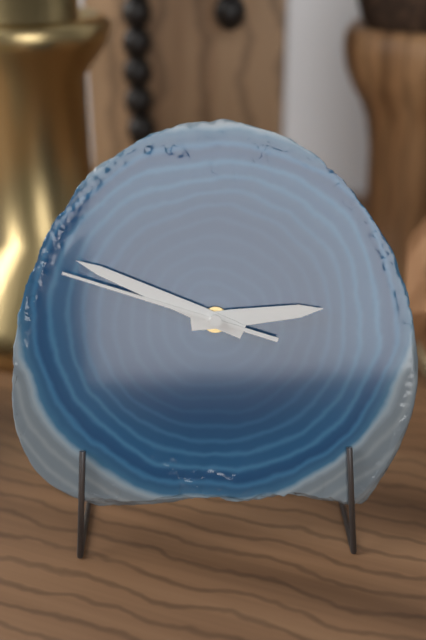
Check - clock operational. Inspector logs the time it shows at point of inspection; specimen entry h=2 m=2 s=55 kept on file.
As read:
h=2 m=49 s=48
